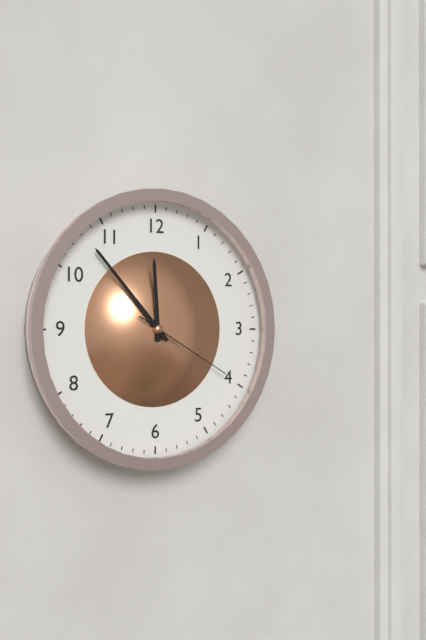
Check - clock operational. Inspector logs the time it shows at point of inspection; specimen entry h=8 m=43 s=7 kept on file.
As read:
h=11 m=53 s=20
